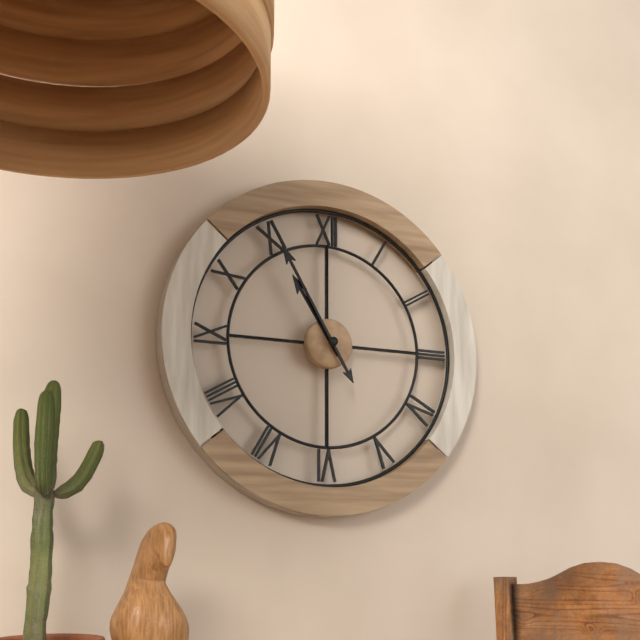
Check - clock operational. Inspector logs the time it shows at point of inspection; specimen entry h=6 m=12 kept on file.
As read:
h=10 m=55
